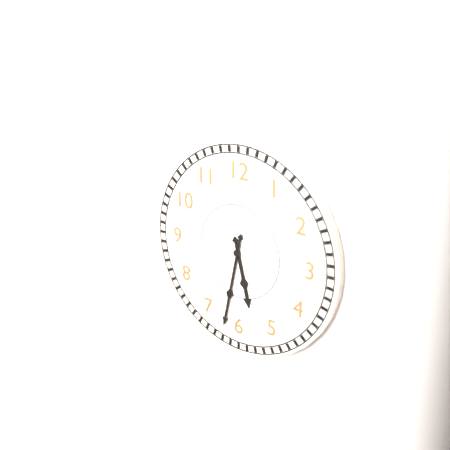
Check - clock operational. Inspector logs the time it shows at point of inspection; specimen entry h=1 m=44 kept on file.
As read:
h=5 m=32
